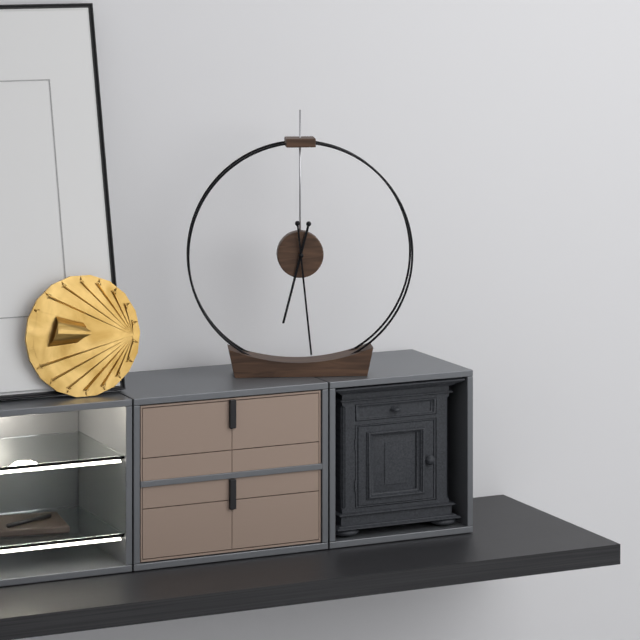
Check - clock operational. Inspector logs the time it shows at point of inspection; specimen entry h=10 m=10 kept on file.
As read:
h=6 m=29
